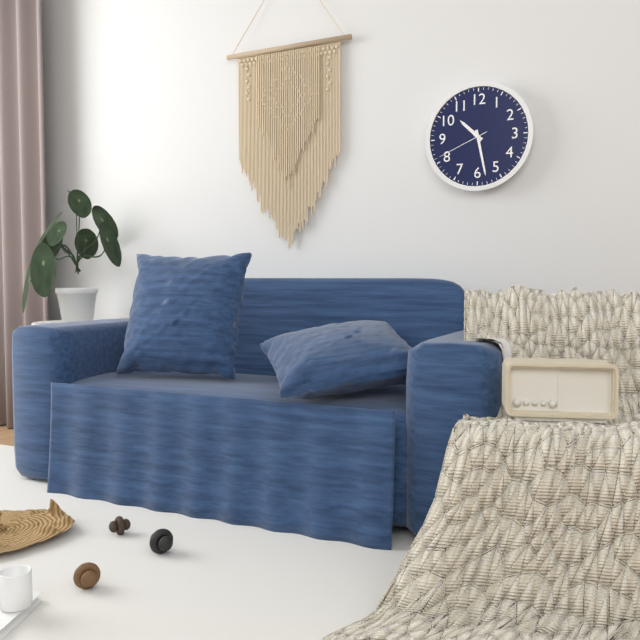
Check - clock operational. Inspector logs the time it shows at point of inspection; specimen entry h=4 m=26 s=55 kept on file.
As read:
h=10 m=28 s=41
